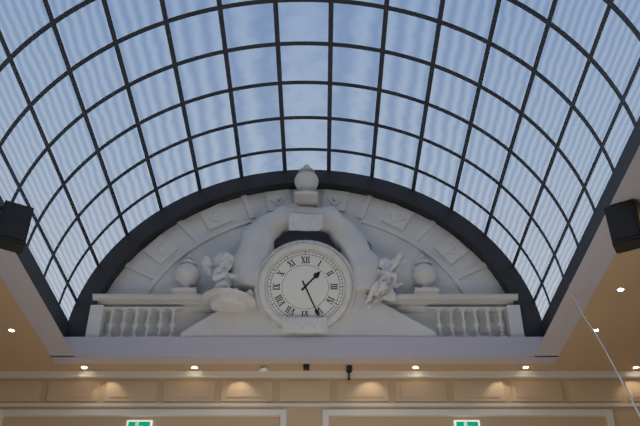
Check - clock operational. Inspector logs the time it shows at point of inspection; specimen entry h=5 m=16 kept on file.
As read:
h=1 m=26
